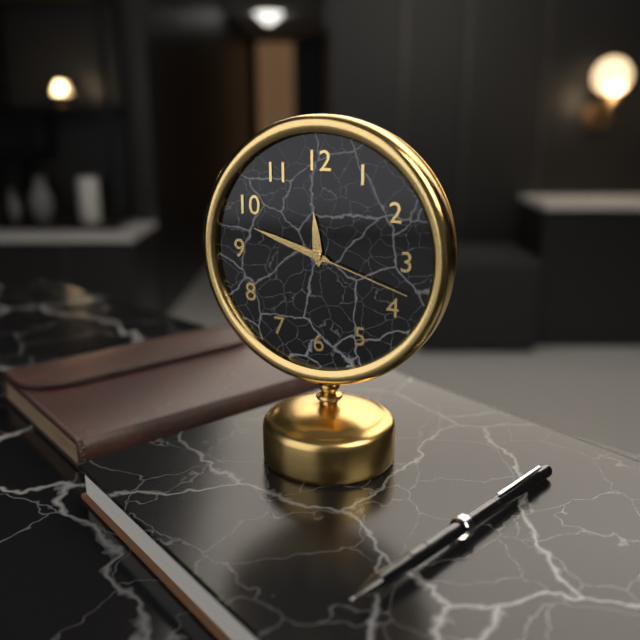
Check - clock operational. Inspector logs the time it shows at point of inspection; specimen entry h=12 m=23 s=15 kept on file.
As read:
h=11 m=48 s=18
